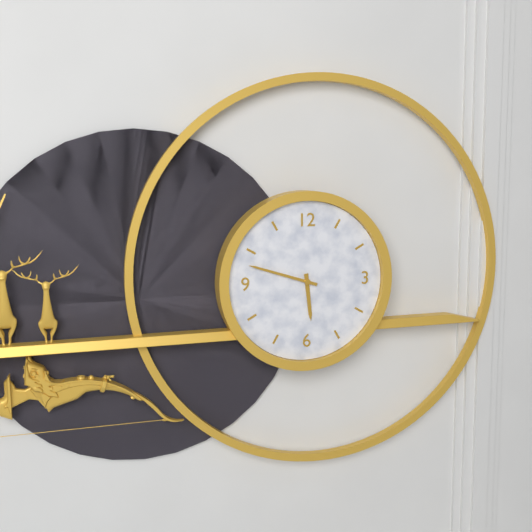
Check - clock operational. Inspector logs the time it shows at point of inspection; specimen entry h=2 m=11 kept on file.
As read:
h=5 m=48
